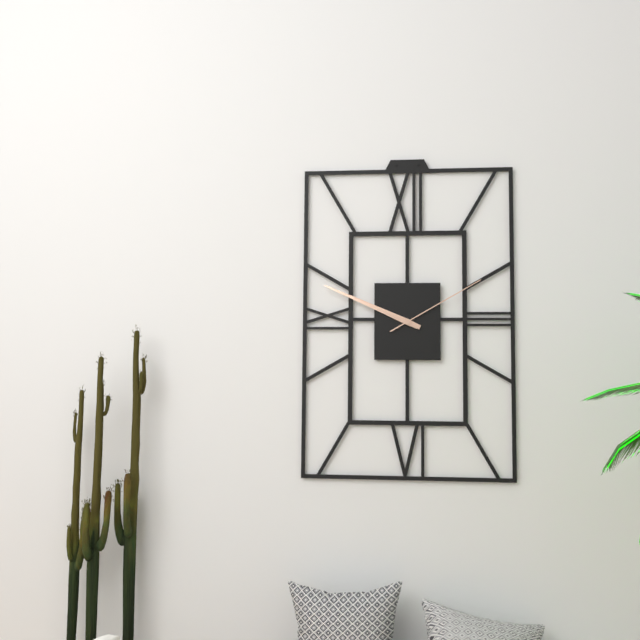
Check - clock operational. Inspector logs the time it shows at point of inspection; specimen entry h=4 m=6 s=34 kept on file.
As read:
h=9 m=49 s=10
